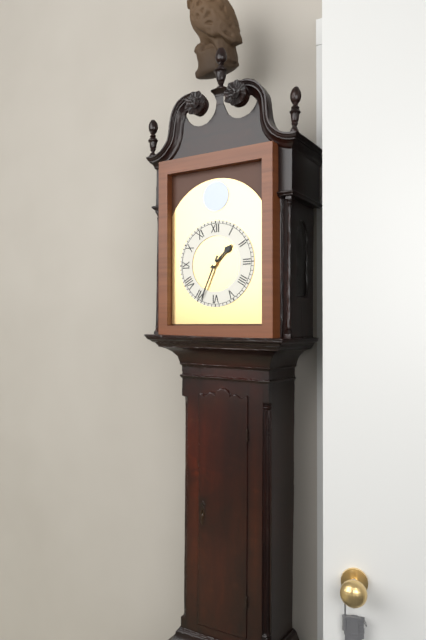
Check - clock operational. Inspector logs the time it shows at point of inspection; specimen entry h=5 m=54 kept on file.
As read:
h=1 m=34
